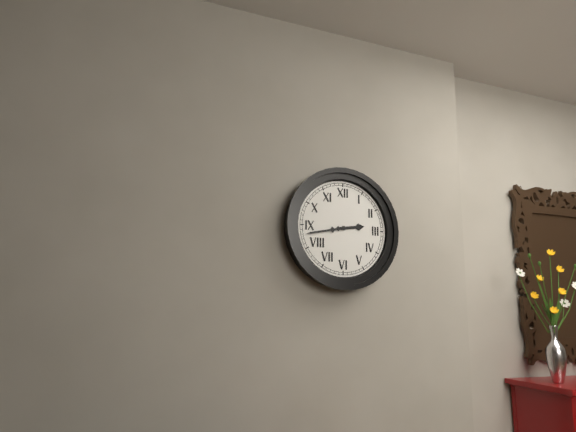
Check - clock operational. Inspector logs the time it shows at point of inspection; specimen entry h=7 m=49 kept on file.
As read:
h=2 m=43
